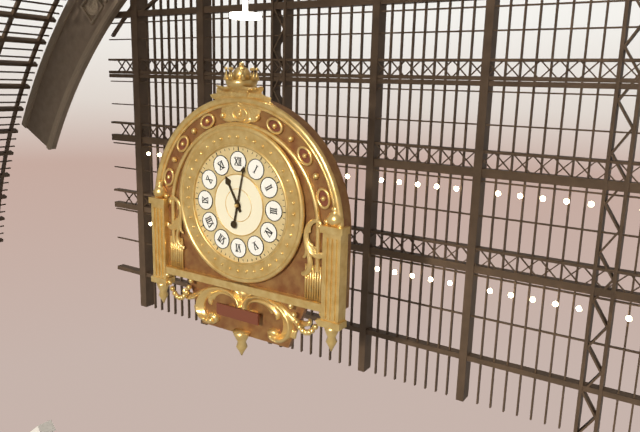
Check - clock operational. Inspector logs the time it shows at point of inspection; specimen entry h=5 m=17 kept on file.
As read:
h=11 m=2
